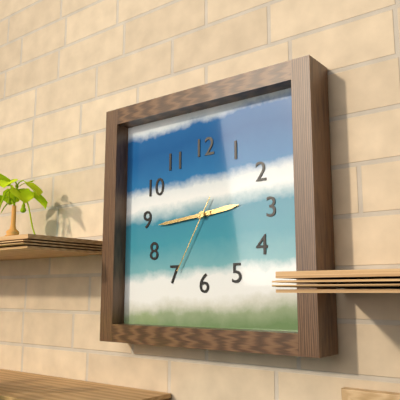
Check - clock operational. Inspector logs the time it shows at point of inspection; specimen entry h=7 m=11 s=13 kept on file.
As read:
h=2 m=44 s=35
